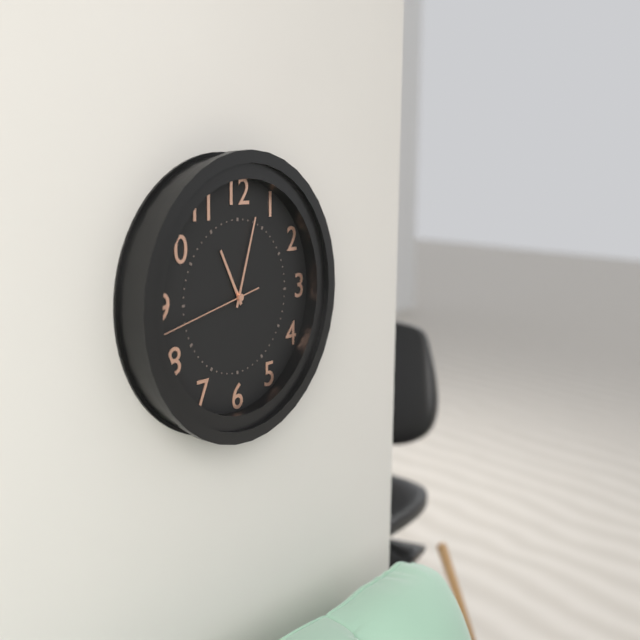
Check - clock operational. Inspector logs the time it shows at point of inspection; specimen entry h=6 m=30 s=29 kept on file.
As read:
h=11 m=3 s=43
